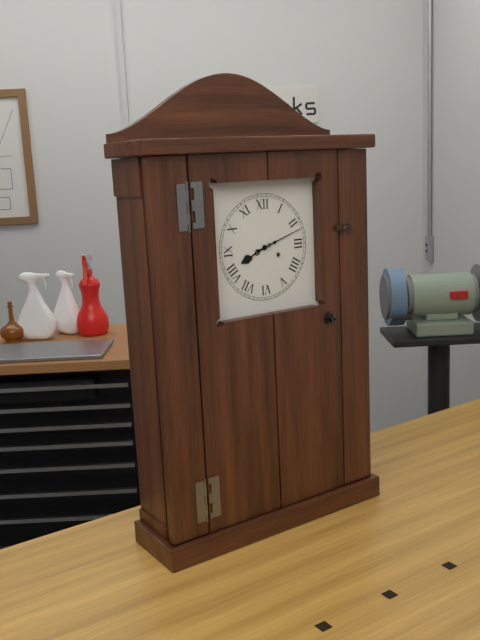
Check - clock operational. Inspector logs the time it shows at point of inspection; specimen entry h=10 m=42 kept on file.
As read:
h=8 m=12
